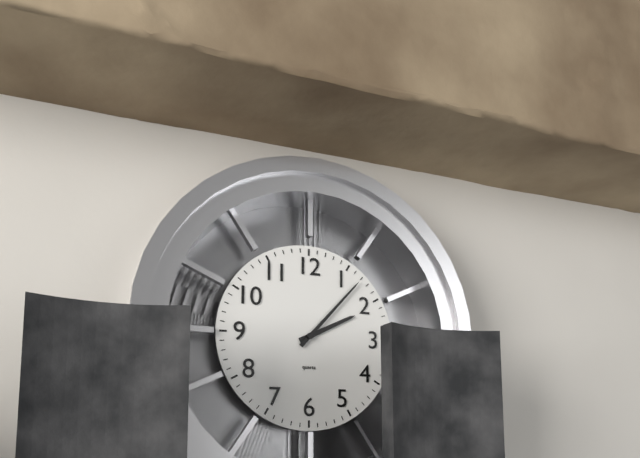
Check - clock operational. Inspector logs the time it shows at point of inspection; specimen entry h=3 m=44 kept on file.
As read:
h=2 m=7
